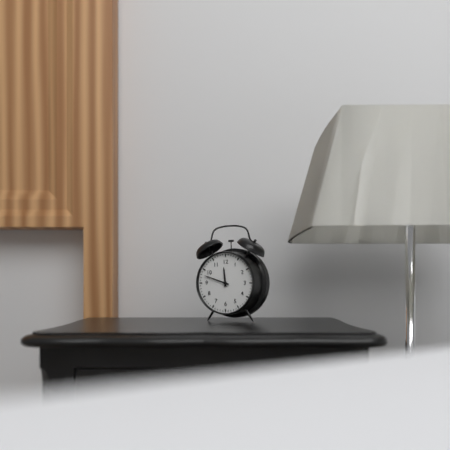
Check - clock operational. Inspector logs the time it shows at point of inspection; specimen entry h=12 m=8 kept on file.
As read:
h=11 m=48
